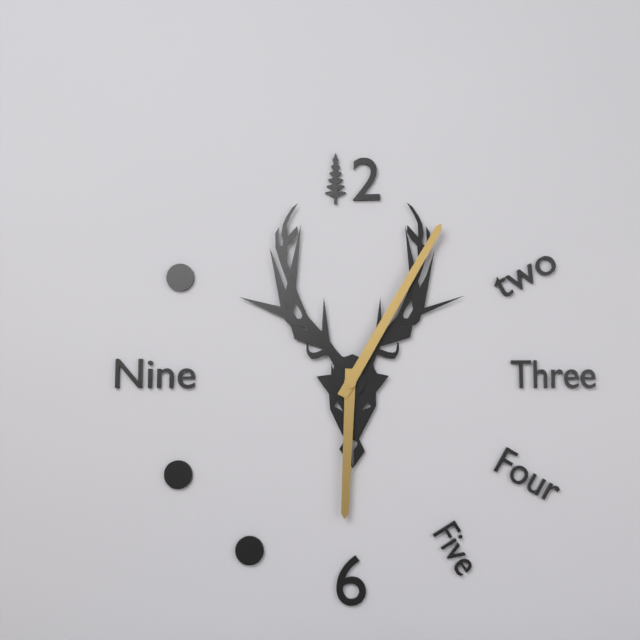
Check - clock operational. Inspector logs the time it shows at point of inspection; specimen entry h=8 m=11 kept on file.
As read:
h=6 m=5
